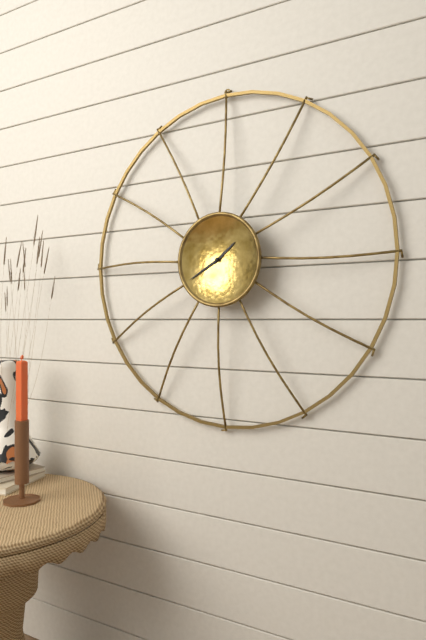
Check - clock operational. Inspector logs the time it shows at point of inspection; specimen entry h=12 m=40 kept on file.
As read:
h=1 m=40
